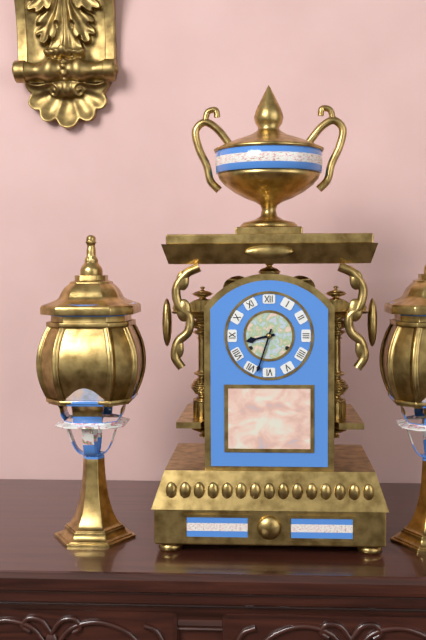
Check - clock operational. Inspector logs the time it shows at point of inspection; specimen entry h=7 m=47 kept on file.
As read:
h=8 m=33
